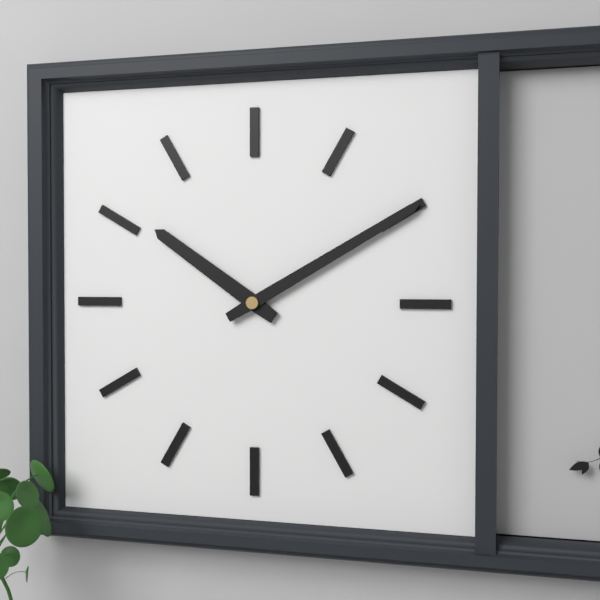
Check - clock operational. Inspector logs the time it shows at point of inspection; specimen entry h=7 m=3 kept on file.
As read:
h=10 m=10
